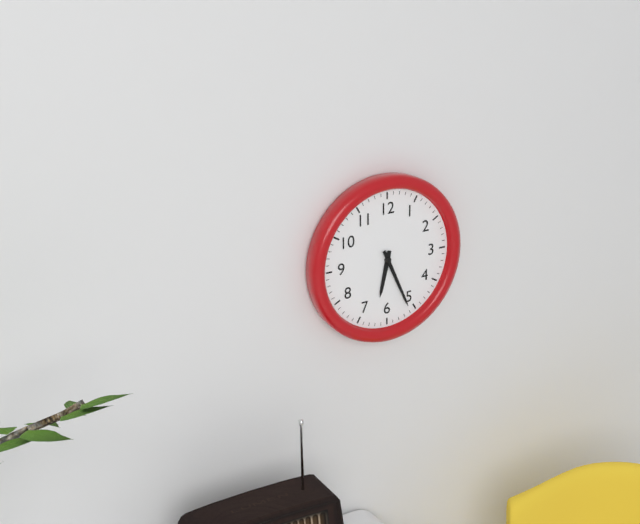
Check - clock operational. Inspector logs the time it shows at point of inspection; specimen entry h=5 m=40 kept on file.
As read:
h=6 m=26
